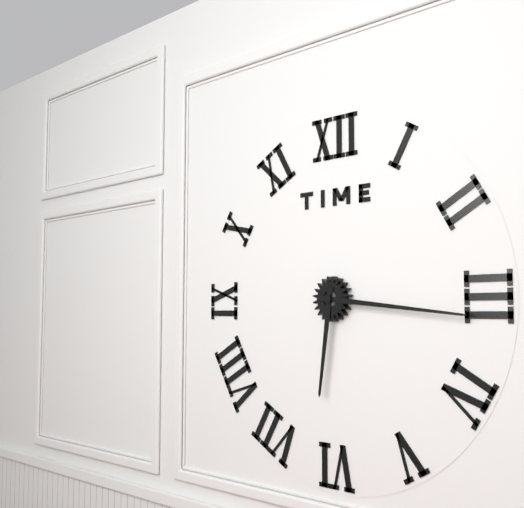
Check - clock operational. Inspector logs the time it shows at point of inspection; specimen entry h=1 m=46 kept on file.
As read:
h=6 m=16
